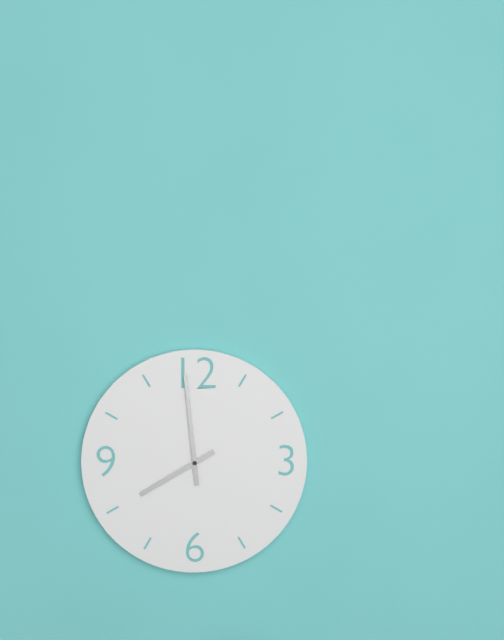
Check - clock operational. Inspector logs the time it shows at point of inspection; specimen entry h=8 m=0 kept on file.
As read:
h=7 m=59
